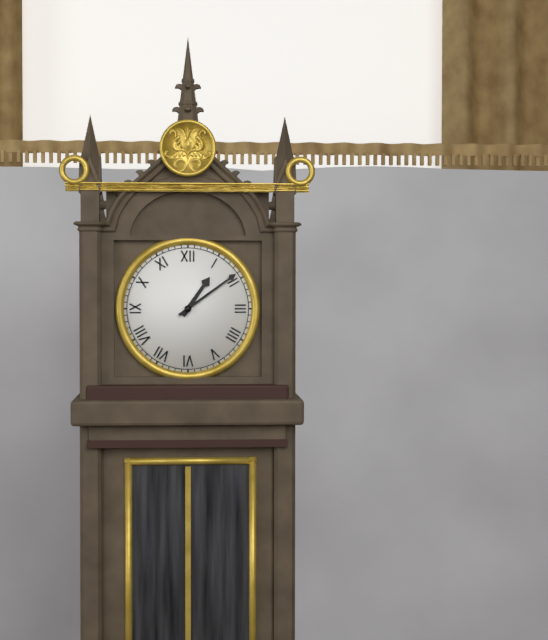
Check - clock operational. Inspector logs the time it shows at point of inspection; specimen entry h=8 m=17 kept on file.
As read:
h=1 m=9
